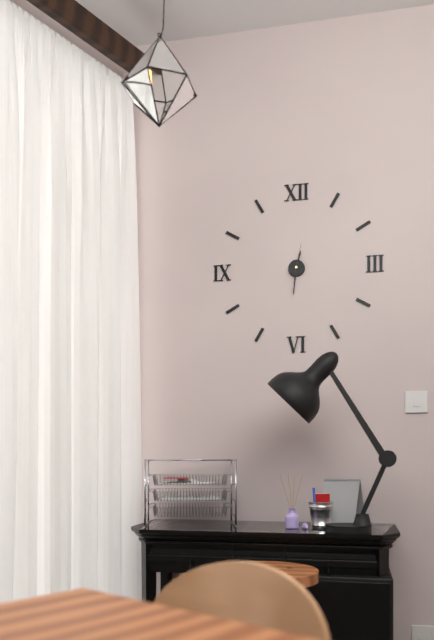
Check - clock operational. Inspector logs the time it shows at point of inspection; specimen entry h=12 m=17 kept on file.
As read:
h=12 m=31
